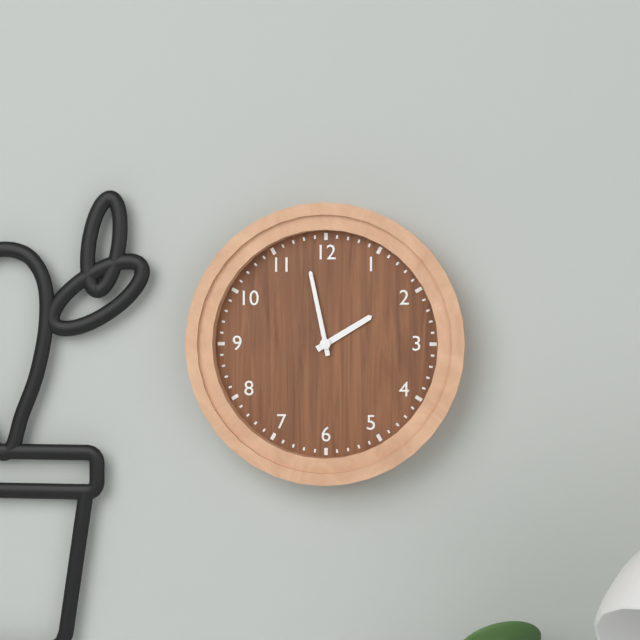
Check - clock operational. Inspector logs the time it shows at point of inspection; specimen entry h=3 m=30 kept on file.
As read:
h=1 m=58
